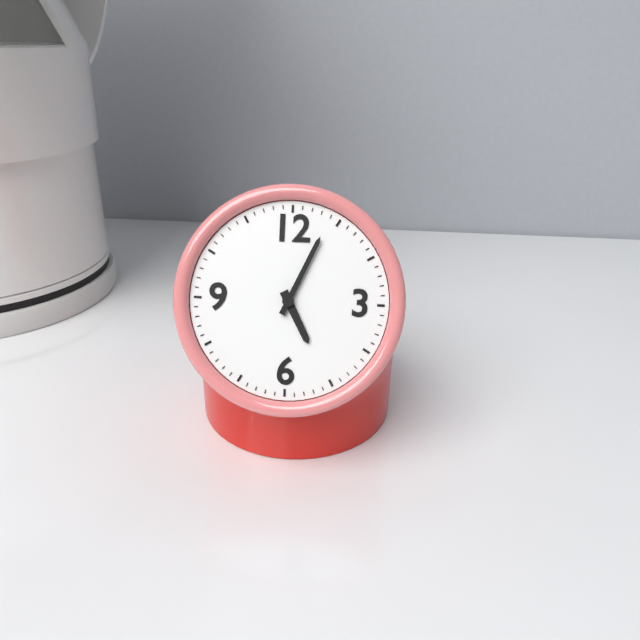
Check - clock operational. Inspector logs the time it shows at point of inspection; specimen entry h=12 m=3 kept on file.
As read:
h=5 m=4
